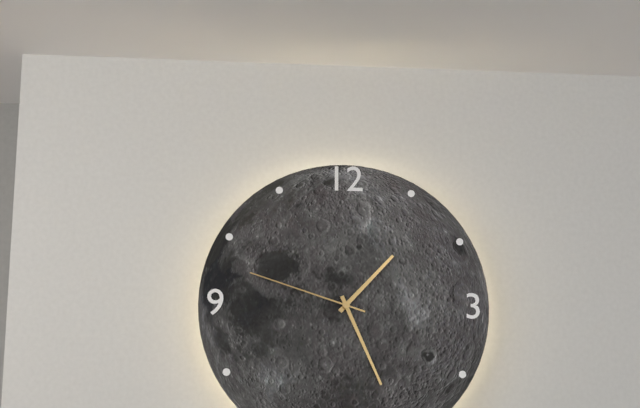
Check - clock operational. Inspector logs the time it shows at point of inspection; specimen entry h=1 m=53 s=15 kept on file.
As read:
h=1 m=26 s=48
